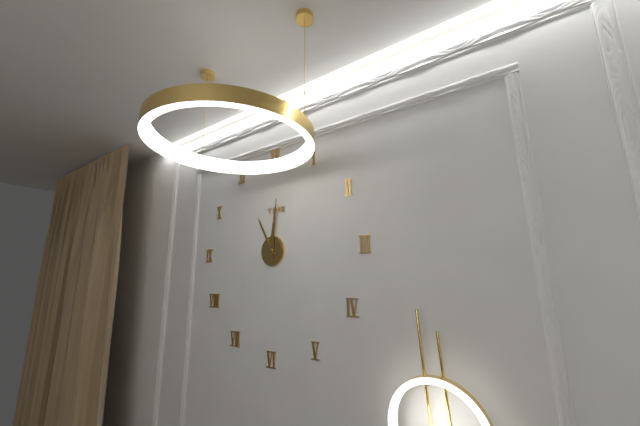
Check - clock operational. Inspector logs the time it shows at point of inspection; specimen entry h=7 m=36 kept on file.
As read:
h=11 m=1
